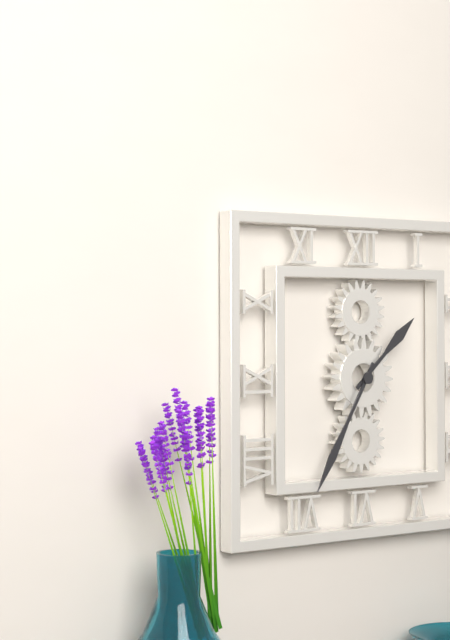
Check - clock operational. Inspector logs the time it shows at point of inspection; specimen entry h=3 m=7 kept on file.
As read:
h=1 m=35
